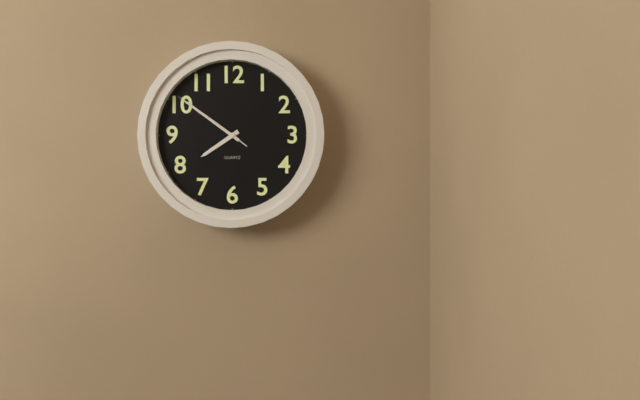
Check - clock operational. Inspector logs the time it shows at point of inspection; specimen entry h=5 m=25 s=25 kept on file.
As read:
h=7 m=51 s=51
